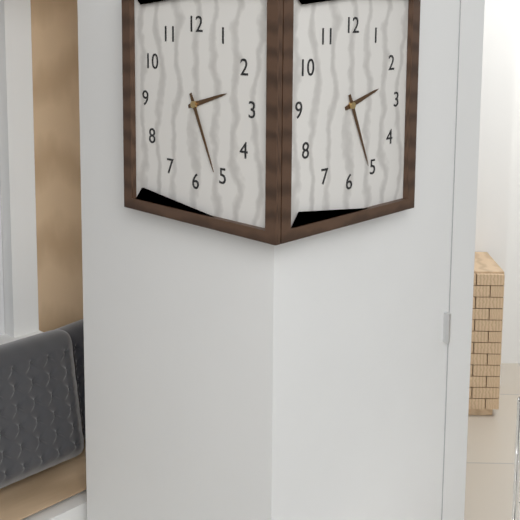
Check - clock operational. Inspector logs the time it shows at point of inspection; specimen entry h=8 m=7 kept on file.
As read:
h=2 m=26
